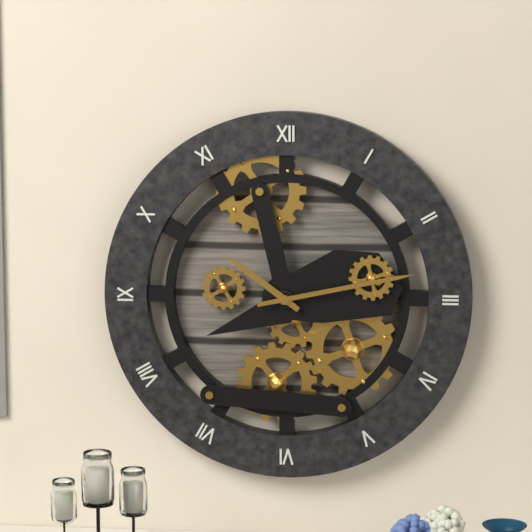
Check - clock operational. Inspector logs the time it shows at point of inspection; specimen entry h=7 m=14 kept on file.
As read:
h=10 m=13
